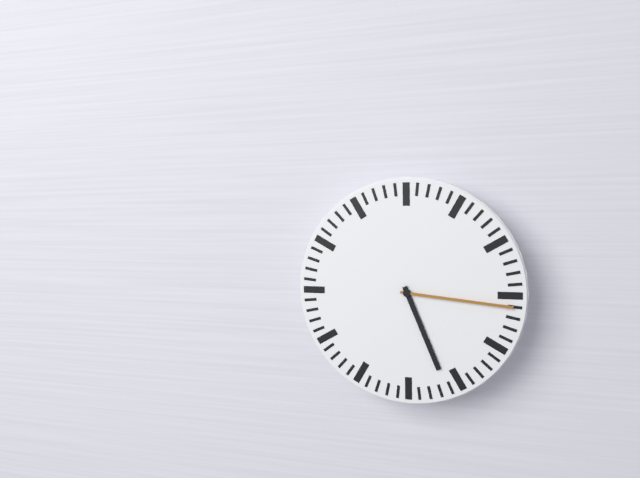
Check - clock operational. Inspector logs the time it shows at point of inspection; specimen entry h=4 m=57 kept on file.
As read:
h=5 m=16
